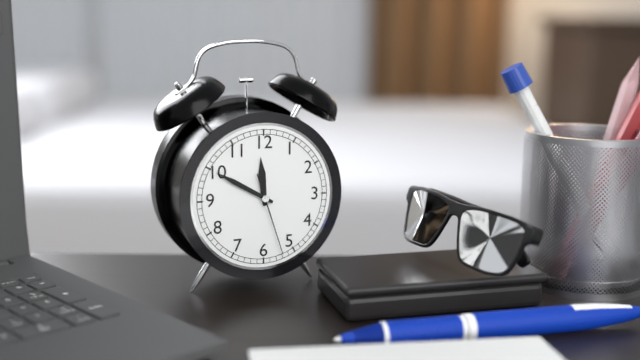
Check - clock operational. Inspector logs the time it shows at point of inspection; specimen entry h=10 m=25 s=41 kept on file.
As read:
h=11 m=50 s=27
